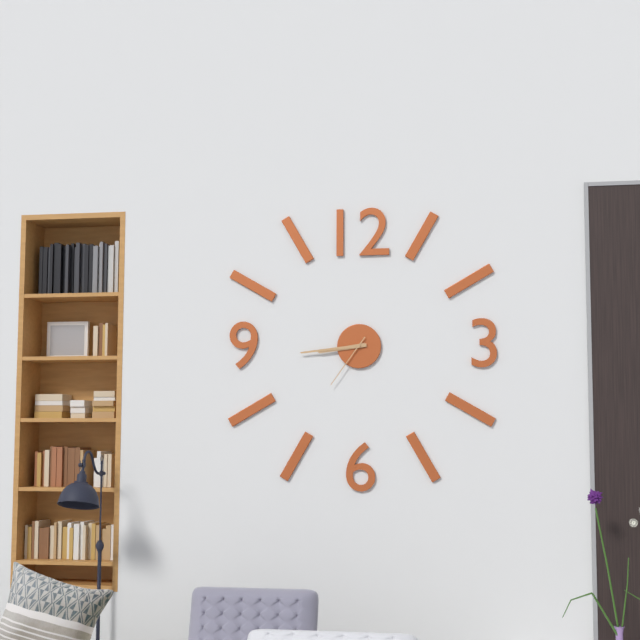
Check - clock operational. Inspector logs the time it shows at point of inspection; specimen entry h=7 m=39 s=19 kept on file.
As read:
h=8 m=44 s=36
